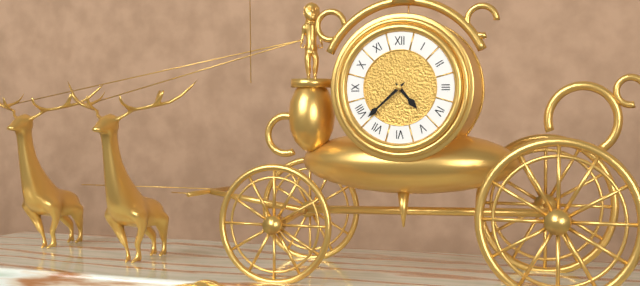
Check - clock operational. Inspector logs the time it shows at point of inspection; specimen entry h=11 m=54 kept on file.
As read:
h=4 m=38
